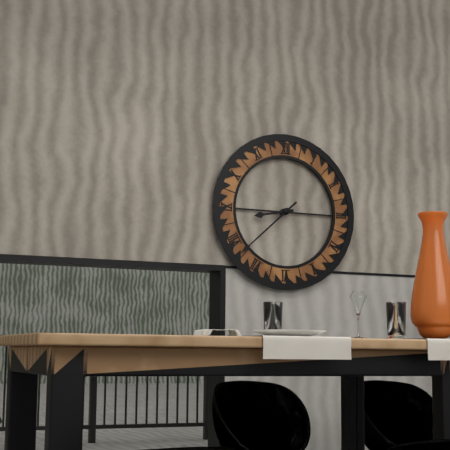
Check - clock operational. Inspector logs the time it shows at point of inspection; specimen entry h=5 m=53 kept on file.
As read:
h=8 m=38
